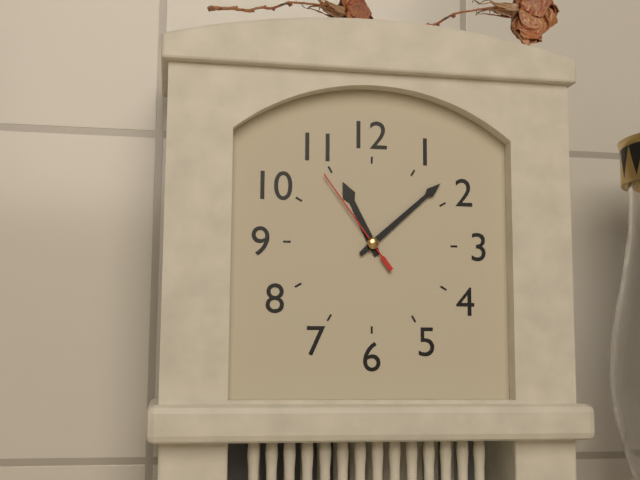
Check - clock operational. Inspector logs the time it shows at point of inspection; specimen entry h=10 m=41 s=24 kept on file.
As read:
h=11 m=8 s=54
